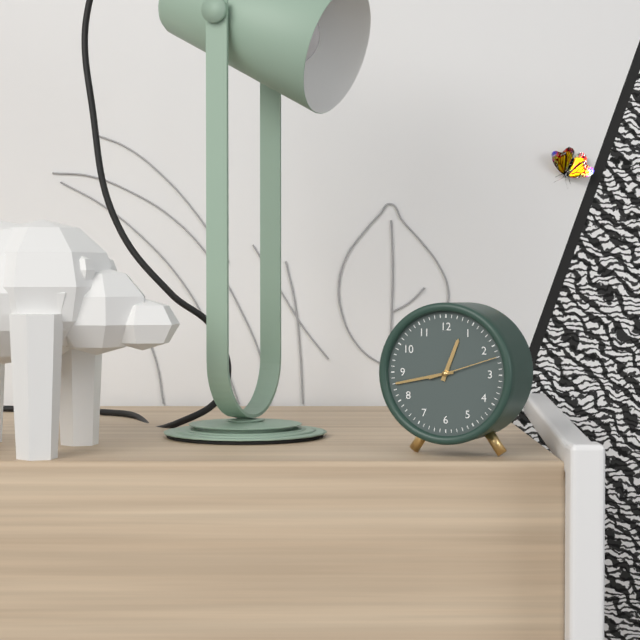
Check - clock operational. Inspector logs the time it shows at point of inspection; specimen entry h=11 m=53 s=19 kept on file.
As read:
h=12 m=43 s=12
